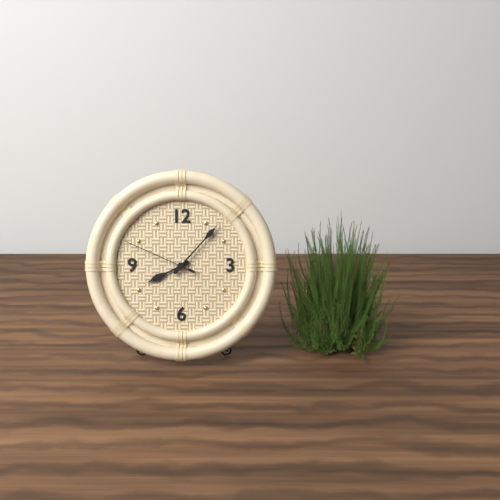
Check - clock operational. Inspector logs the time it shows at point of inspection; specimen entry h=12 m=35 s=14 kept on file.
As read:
h=8 m=7 s=49
